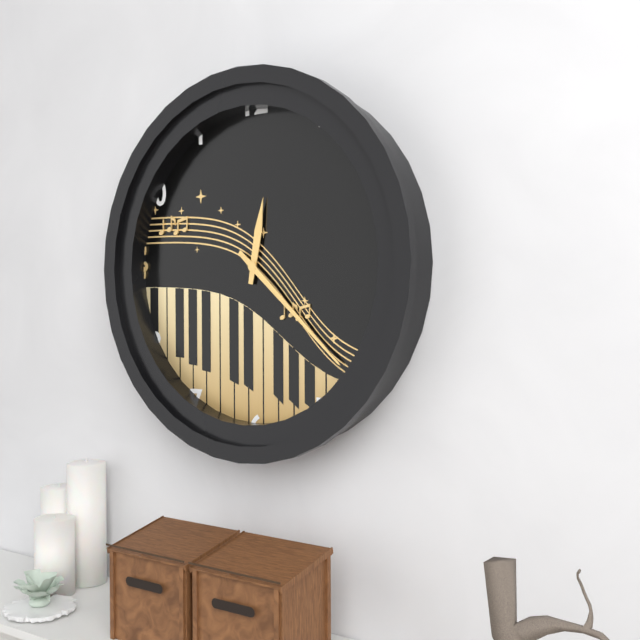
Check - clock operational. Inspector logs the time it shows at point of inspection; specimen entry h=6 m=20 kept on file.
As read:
h=12 m=22
